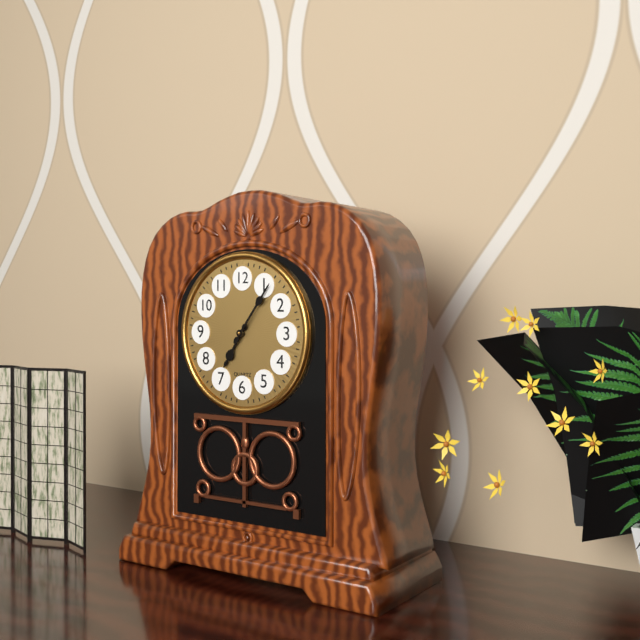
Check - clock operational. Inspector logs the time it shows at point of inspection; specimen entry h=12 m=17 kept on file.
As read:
h=7 m=6
